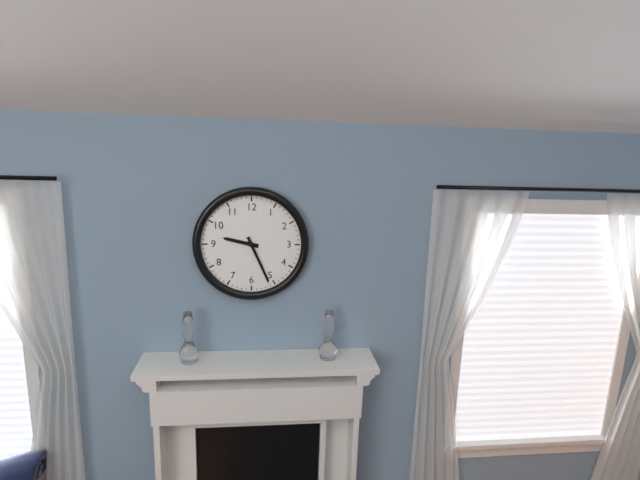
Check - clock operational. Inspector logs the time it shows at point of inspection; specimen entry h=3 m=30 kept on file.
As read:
h=9 m=26
